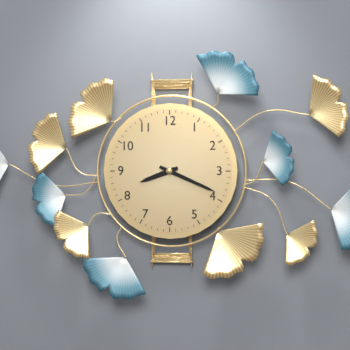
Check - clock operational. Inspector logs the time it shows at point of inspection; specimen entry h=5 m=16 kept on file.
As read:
h=8 m=19
